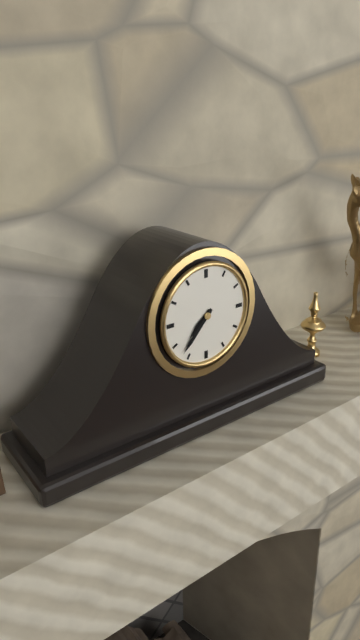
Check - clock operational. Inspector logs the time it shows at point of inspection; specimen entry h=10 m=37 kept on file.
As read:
h=7 m=37
